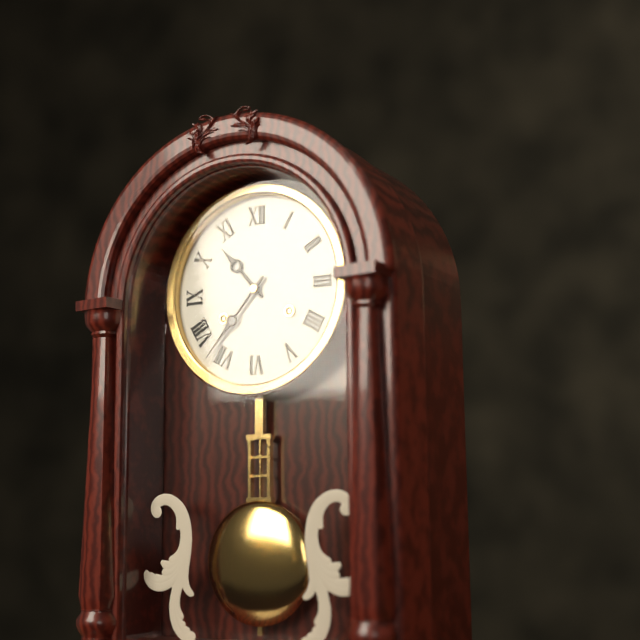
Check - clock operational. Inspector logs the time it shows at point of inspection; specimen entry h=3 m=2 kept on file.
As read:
h=10 m=37
